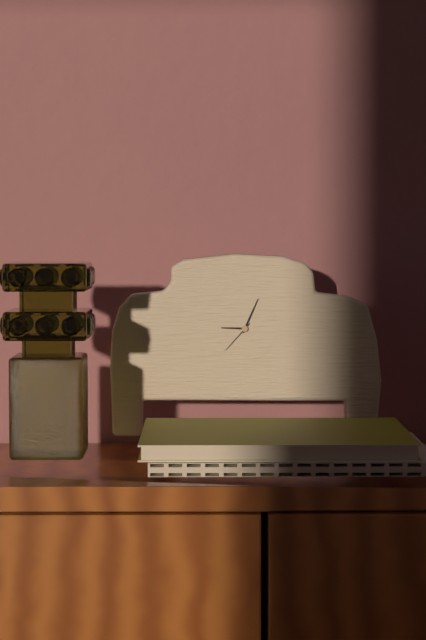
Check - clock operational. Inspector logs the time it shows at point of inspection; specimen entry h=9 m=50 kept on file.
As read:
h=9 m=4
